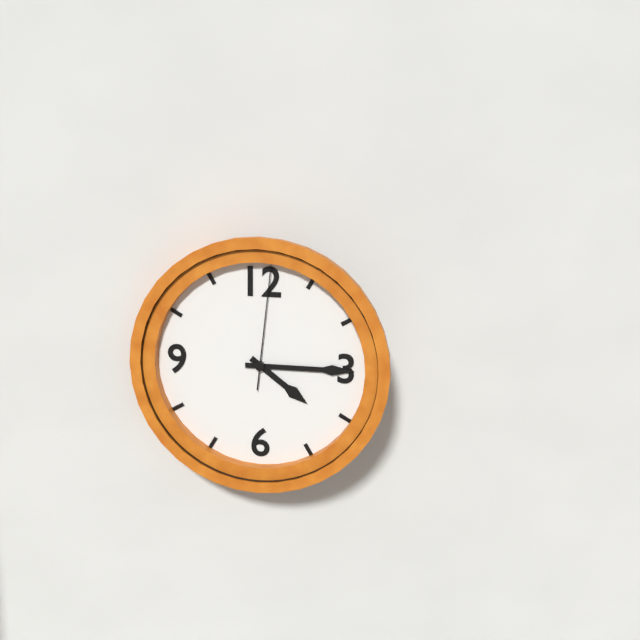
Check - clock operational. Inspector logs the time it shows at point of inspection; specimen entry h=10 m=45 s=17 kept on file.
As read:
h=4 m=15 s=1
